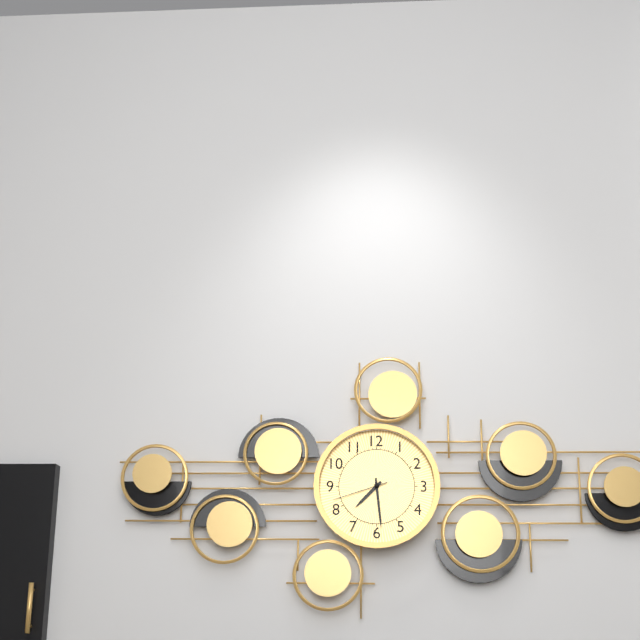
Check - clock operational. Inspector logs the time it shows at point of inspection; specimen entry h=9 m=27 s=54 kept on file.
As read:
h=7 m=29 s=42
